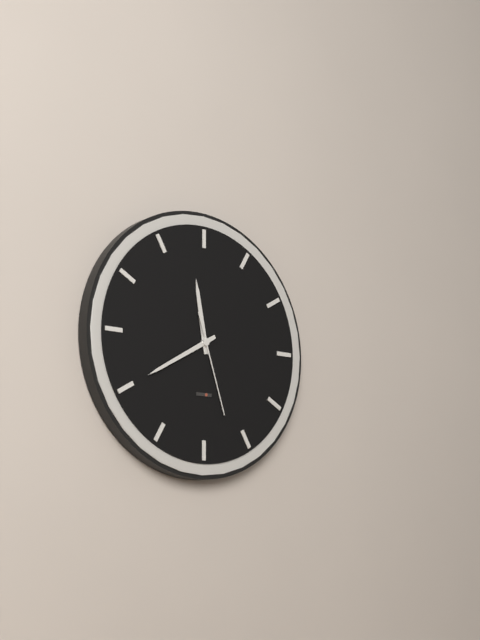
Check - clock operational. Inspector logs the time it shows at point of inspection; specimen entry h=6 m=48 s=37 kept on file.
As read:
h=11 m=40 s=27
